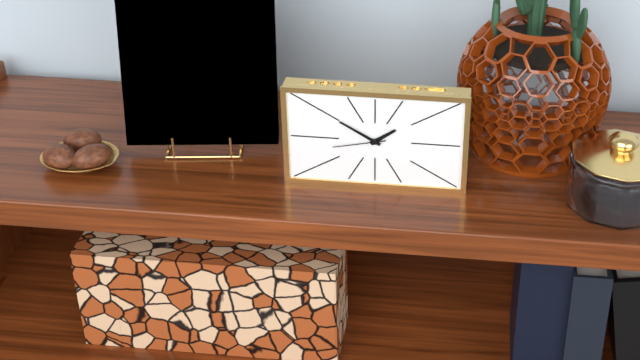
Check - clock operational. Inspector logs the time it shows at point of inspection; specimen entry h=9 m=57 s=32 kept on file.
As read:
h=1 m=50 s=43
